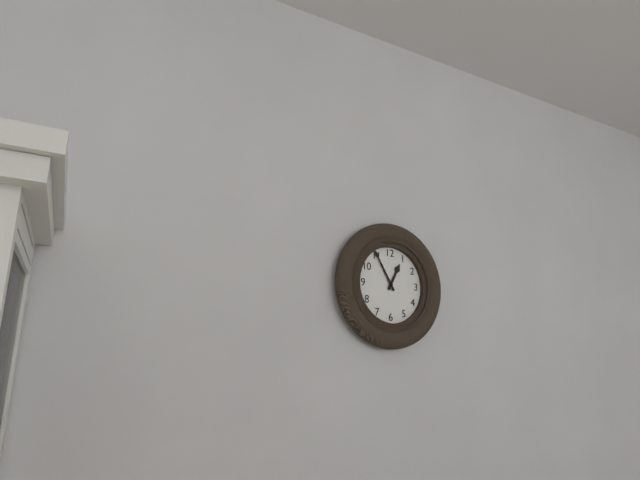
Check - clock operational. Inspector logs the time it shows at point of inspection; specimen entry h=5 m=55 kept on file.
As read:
h=12 m=55
